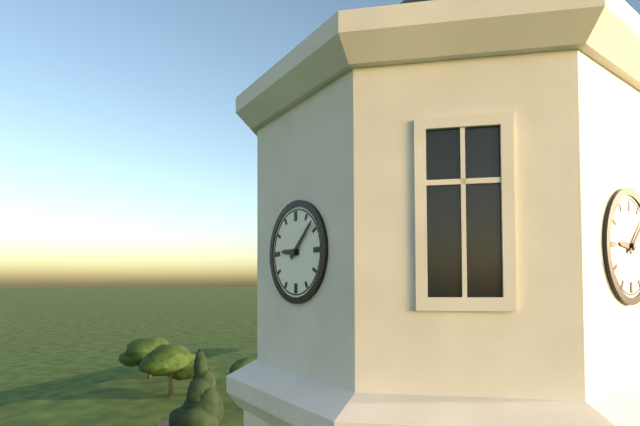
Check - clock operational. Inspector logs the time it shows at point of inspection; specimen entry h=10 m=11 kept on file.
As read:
h=9 m=8
